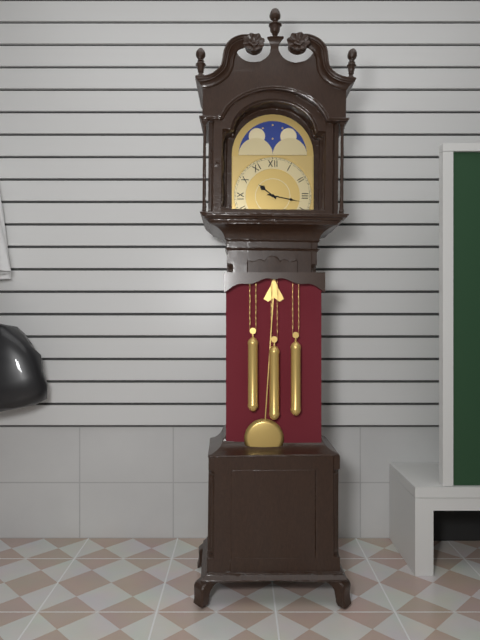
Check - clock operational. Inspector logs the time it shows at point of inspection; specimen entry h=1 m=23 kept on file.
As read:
h=10 m=17
